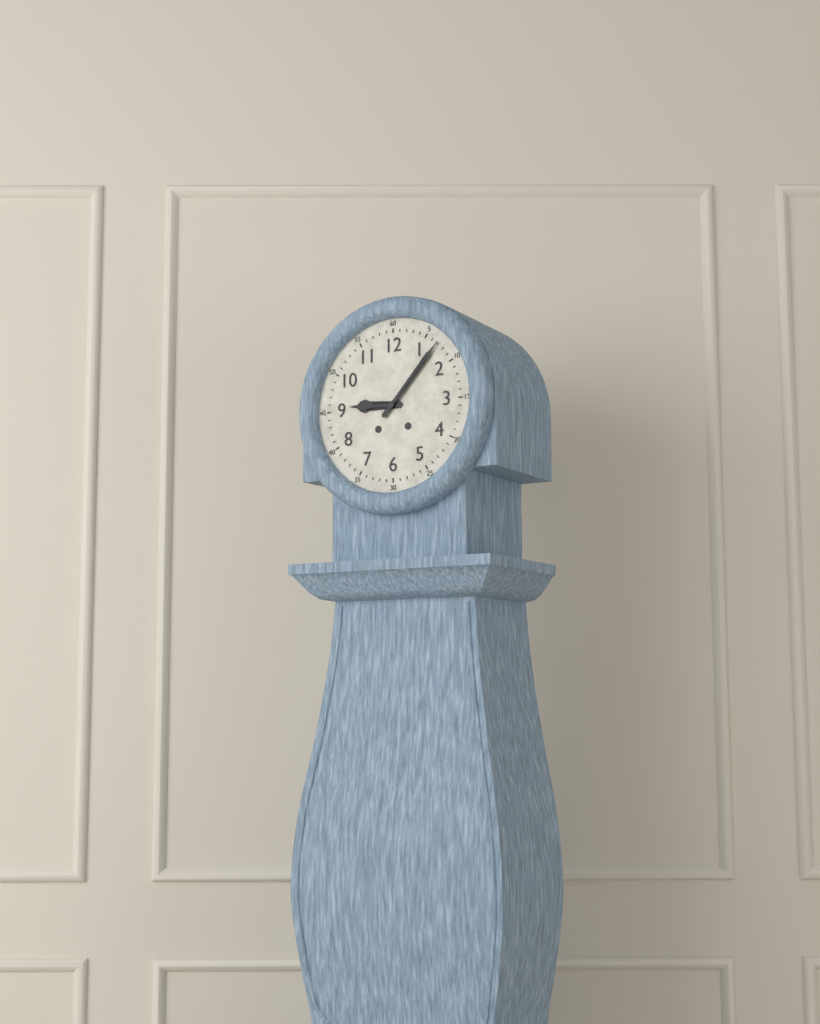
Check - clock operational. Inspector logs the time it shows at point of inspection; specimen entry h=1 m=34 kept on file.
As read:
h=9 m=7
